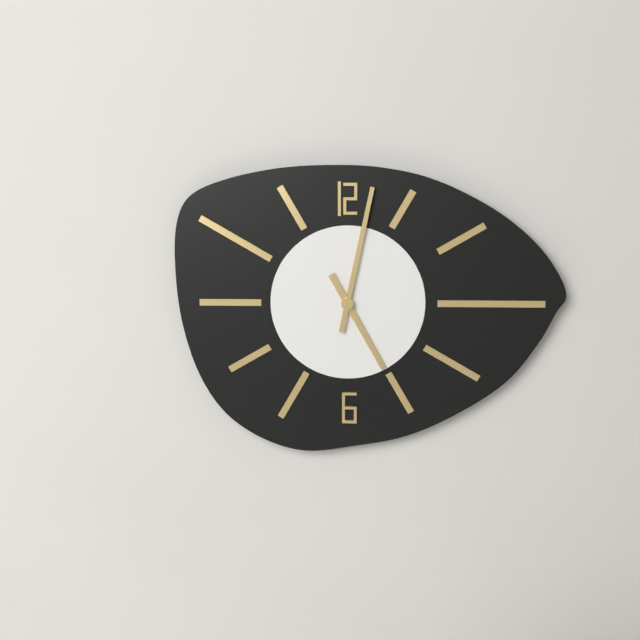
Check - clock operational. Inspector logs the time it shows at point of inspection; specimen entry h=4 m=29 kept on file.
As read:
h=5 m=2
